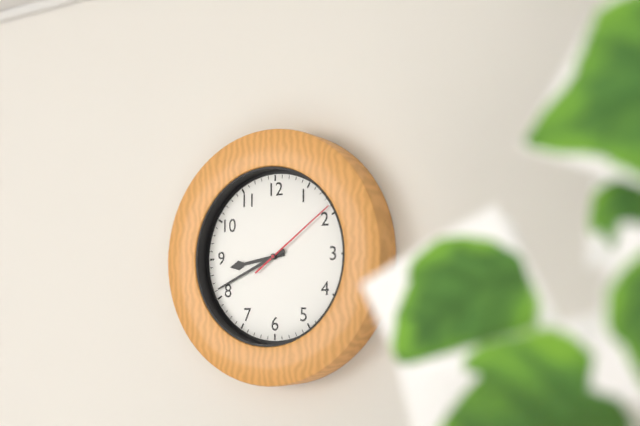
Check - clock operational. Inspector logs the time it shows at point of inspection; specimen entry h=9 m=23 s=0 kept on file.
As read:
h=8 m=41 s=9
